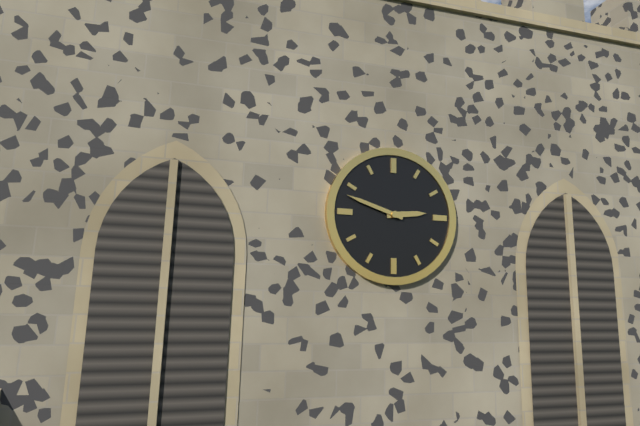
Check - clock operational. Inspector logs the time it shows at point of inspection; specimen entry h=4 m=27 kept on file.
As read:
h=2 m=48
